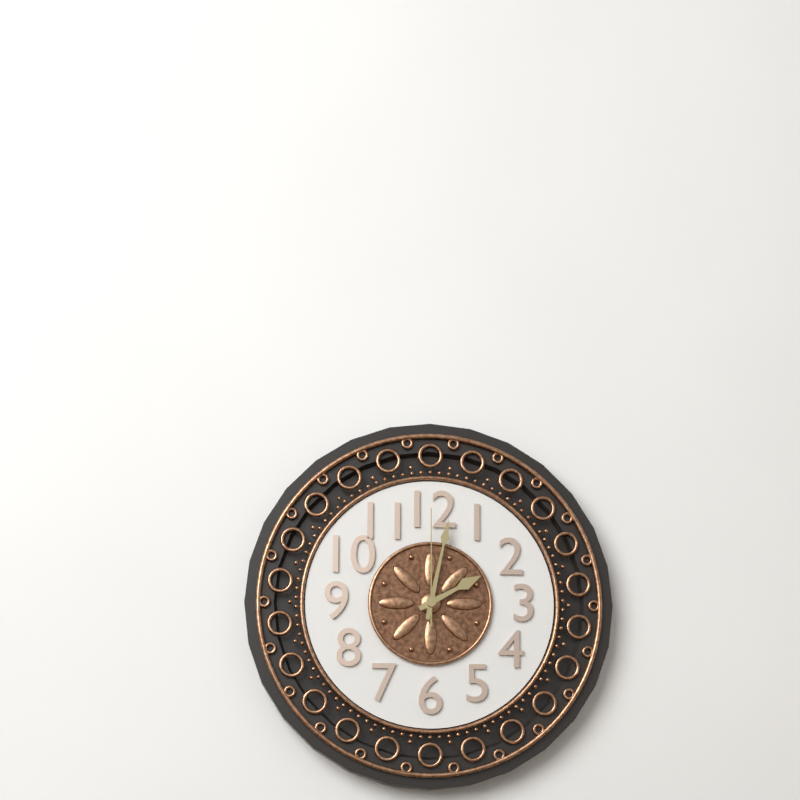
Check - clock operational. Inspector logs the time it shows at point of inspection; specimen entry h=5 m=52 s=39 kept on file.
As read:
h=2 m=2 s=0
